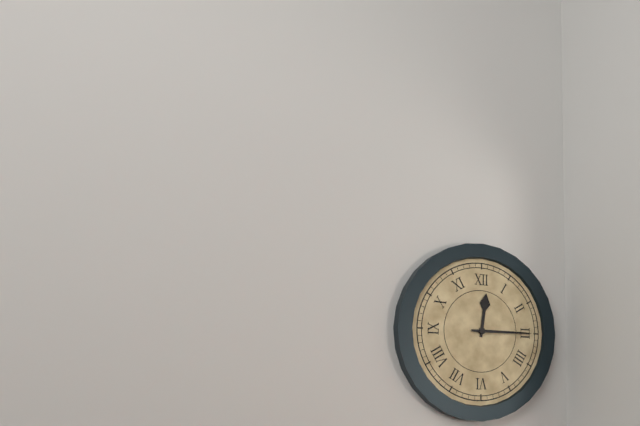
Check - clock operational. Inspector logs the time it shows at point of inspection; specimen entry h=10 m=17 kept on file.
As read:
h=12 m=15
